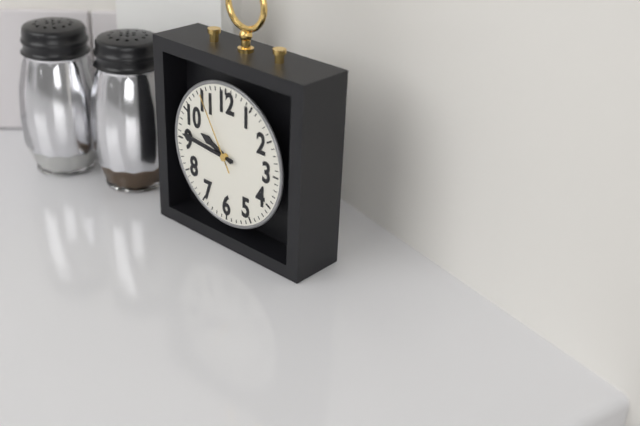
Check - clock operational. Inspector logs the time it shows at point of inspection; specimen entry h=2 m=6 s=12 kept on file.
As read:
h=9 m=46 s=55
